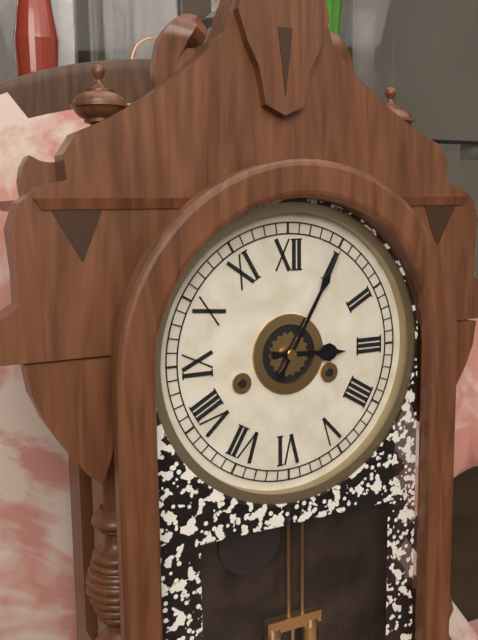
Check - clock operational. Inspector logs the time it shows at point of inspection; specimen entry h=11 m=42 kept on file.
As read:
h=3 m=5
